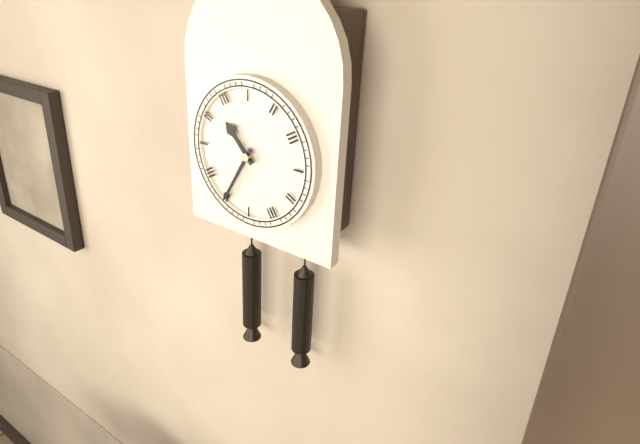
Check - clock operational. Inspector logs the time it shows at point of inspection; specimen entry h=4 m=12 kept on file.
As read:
h=10 m=35
